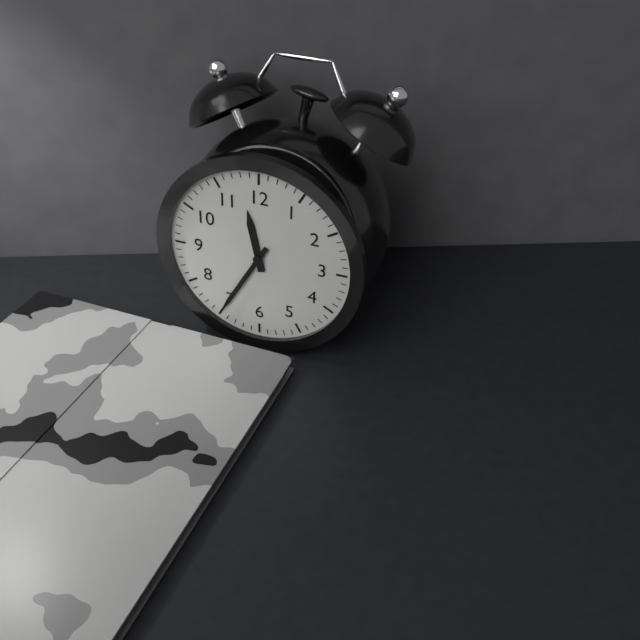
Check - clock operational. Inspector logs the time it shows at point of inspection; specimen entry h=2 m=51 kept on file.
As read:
h=11 m=35
